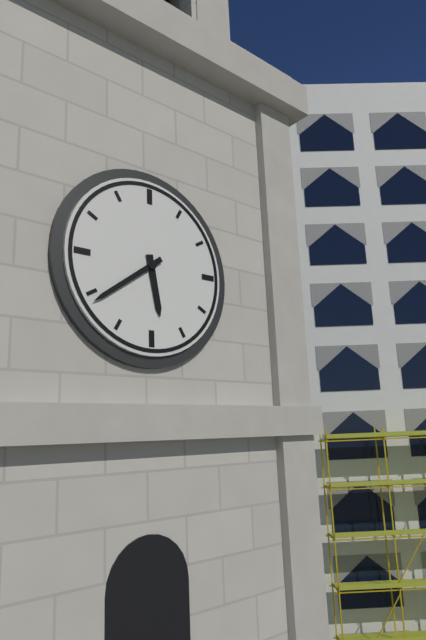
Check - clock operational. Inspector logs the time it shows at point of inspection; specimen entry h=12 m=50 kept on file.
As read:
h=5 m=39
